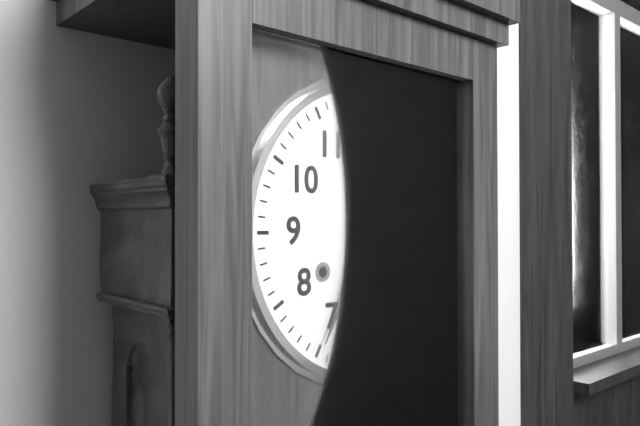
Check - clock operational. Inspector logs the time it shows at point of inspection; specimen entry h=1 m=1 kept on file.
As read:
h=3 m=35
